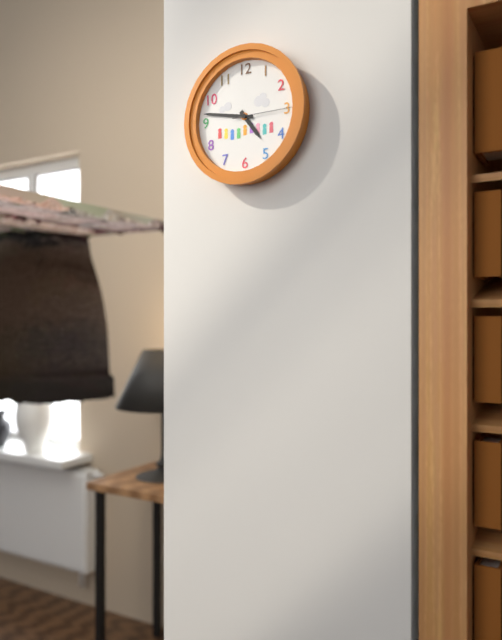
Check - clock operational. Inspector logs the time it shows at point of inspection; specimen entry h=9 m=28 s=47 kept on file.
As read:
h=4 m=47 s=15
